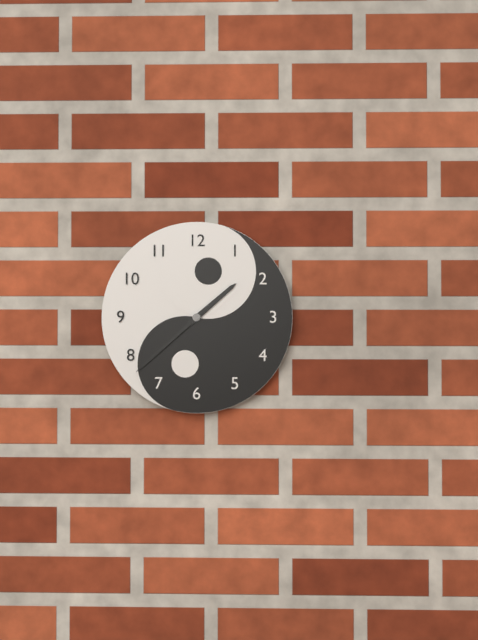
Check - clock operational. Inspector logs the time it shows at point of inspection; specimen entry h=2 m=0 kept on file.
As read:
h=1 m=38
